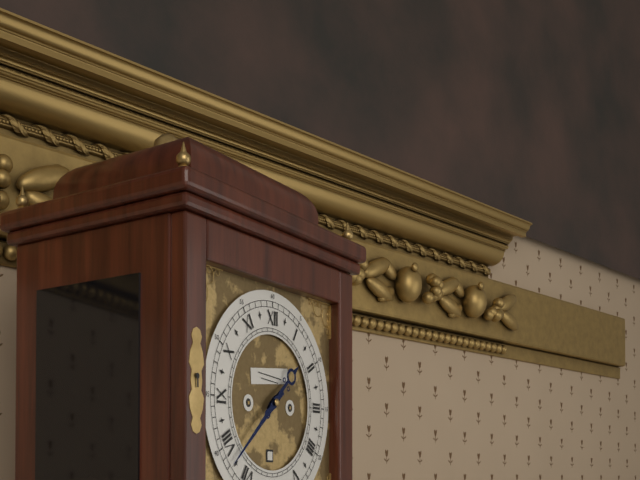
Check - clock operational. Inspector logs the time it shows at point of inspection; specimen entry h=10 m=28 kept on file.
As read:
h=1 m=38
